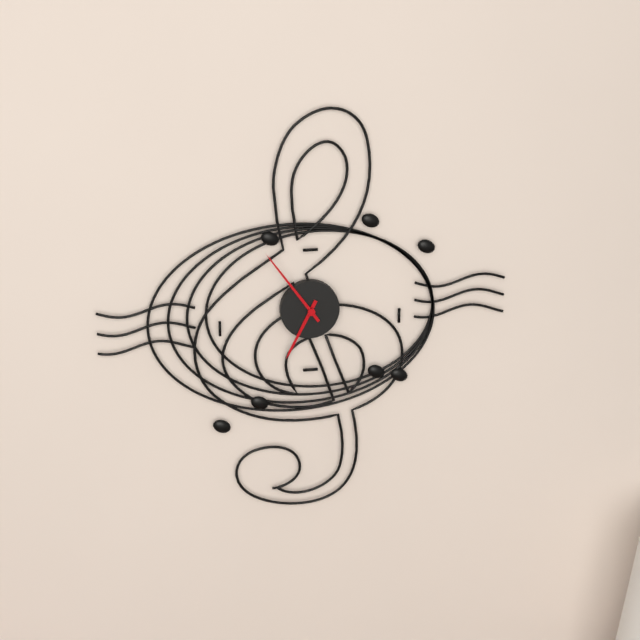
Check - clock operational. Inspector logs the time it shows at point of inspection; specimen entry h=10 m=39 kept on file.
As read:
h=6 m=54
